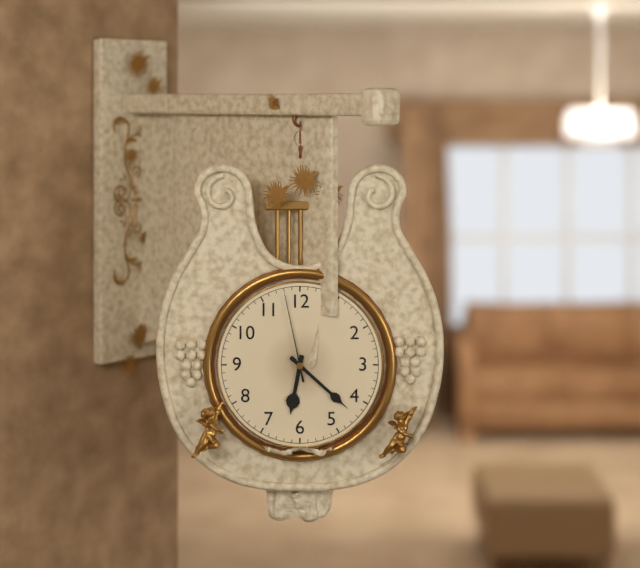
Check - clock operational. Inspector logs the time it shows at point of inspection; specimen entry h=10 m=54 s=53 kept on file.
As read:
h=6 m=22 s=58
